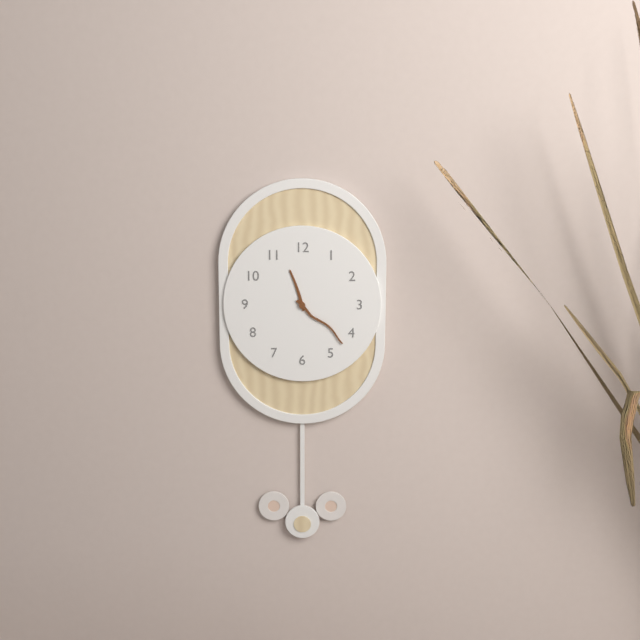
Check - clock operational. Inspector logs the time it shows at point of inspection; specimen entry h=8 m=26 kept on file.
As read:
h=11 m=22
